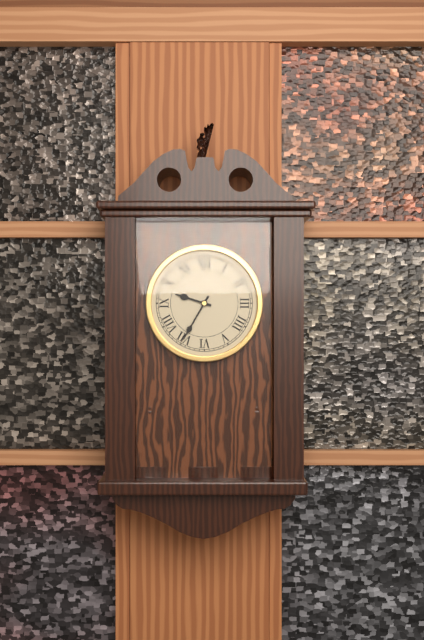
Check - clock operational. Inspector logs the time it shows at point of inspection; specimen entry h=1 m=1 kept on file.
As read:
h=9 m=35
